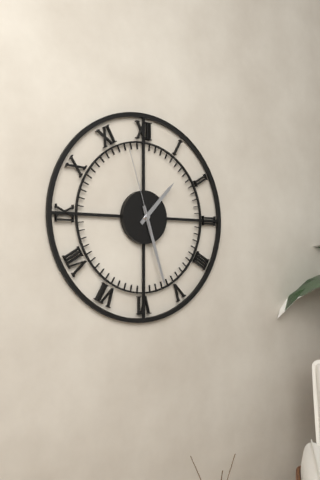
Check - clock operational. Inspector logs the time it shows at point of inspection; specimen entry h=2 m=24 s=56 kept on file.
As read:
h=1 m=27 s=57
